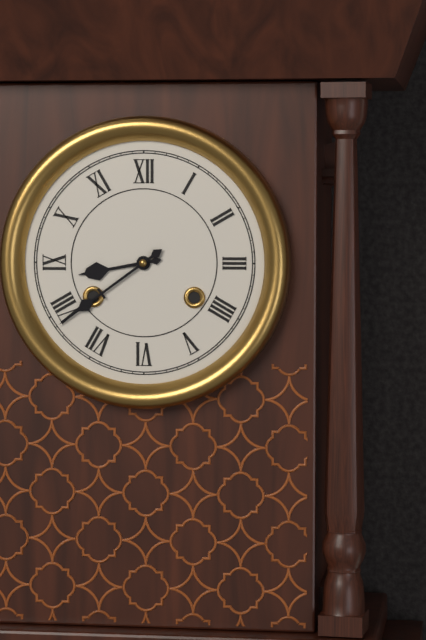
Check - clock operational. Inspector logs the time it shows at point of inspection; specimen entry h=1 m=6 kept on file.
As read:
h=8 m=39
